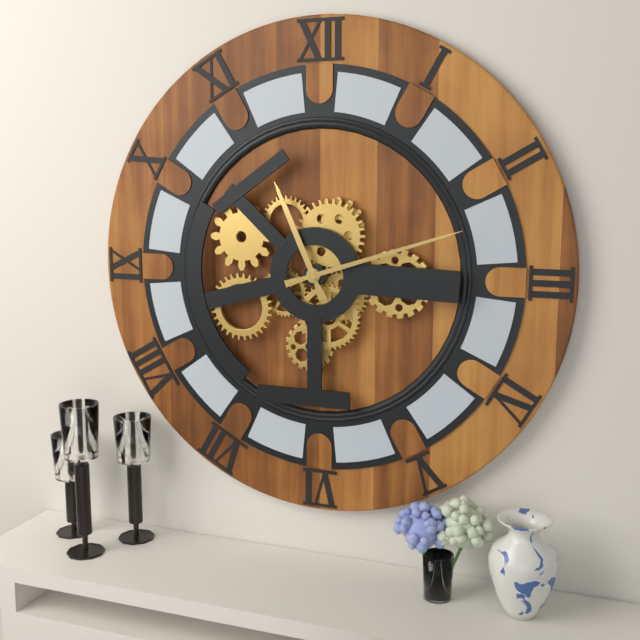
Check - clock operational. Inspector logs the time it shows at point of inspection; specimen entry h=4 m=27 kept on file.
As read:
h=11 m=12
